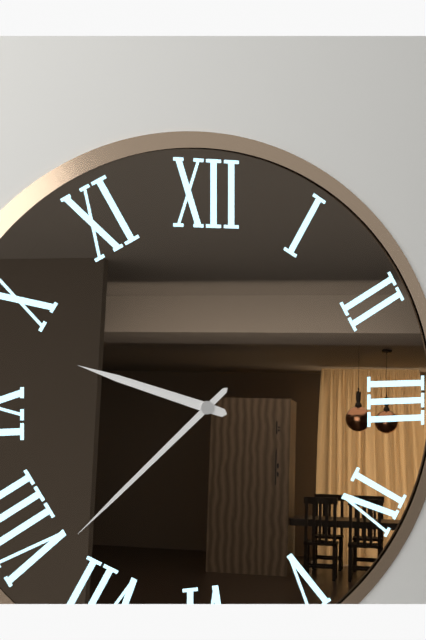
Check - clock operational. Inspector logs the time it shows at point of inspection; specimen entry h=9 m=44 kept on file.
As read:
h=9 m=38
